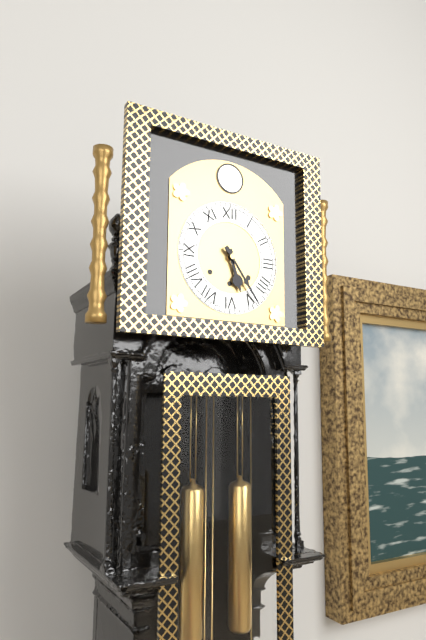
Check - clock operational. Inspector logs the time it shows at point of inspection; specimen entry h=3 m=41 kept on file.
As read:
h=5 m=24
